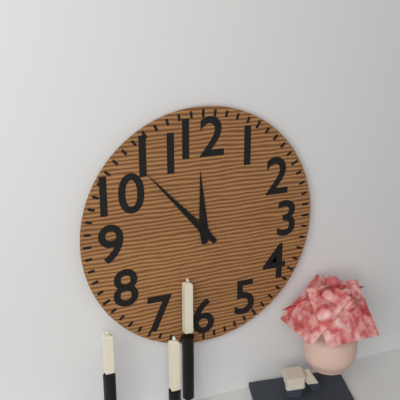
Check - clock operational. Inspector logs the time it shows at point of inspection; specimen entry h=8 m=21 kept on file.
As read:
h=11 m=53
